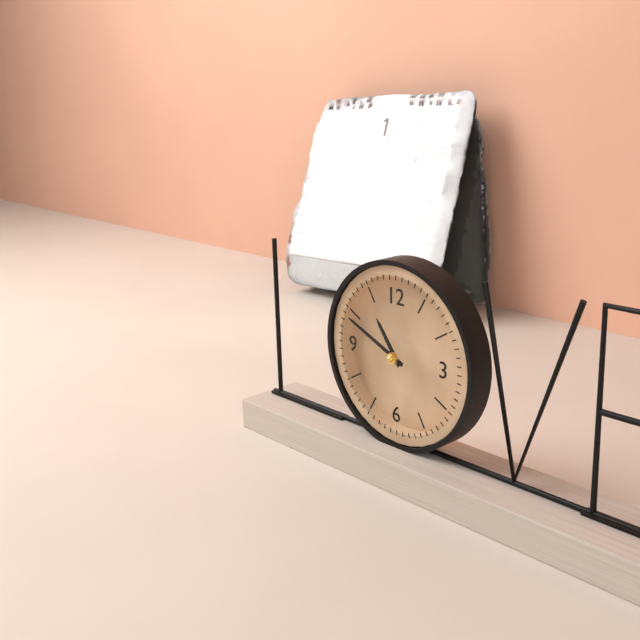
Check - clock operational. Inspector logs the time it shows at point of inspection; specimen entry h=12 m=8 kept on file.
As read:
h=10 m=49
